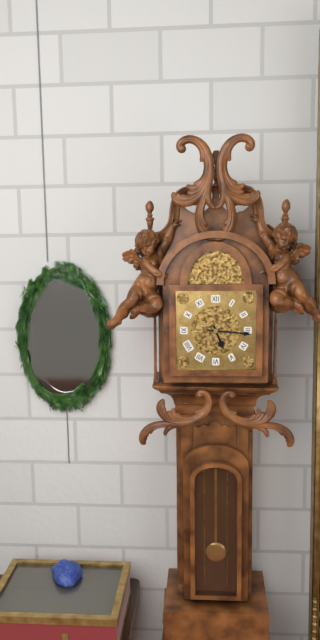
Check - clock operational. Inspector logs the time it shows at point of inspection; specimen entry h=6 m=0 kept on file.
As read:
h=5 m=16
